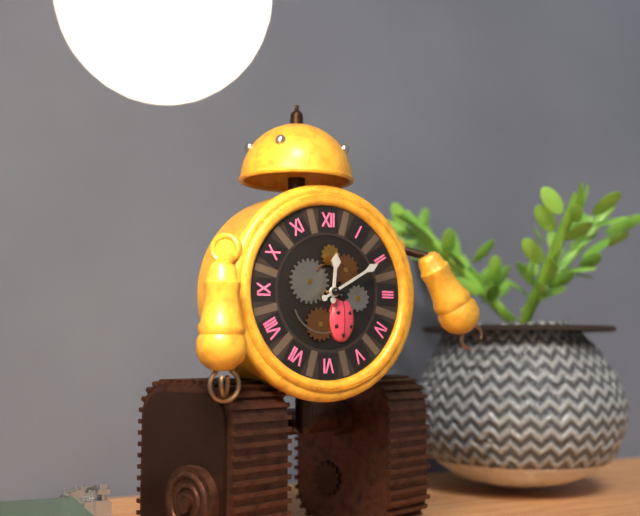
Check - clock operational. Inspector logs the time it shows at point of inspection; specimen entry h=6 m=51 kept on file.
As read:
h=12 m=10
